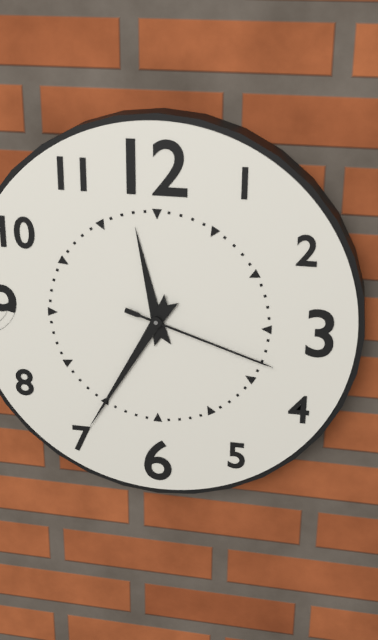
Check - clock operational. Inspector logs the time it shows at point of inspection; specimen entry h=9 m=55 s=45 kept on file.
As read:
h=11 m=35 s=18
